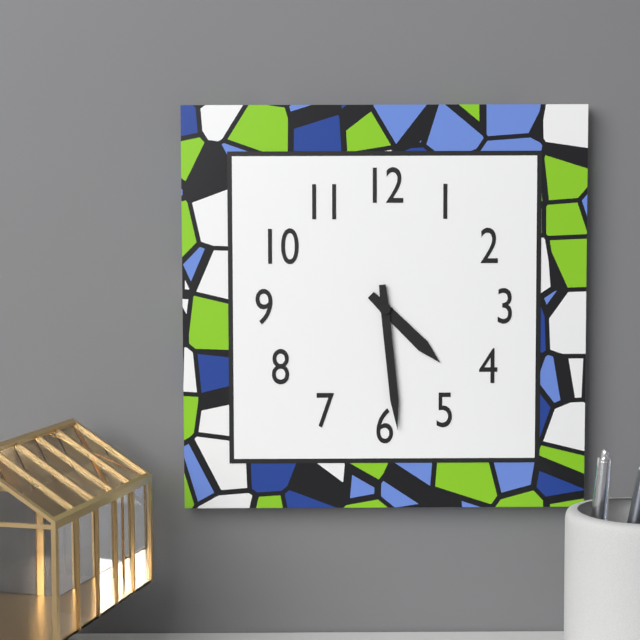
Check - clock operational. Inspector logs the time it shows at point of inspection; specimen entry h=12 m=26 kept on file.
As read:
h=4 m=29
